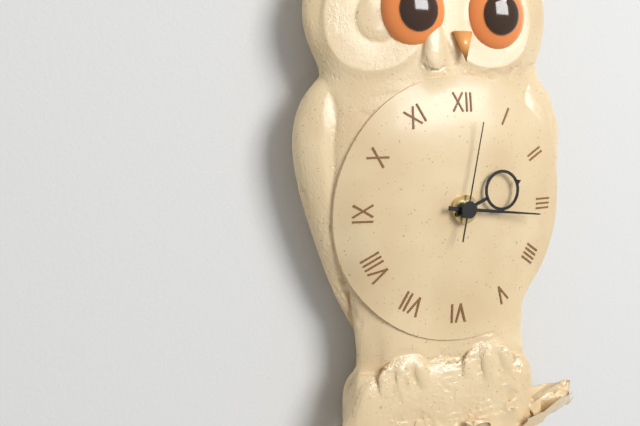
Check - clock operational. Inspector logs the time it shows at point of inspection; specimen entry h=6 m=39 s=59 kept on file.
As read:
h=2 m=16 s=2
